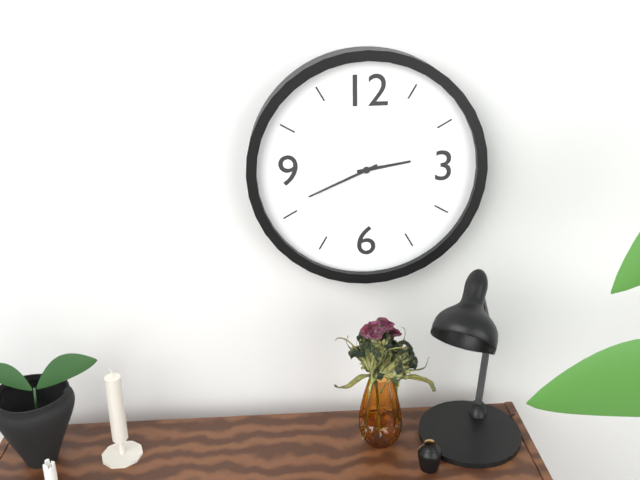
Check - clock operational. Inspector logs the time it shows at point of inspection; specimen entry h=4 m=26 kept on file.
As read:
h=2 m=41
